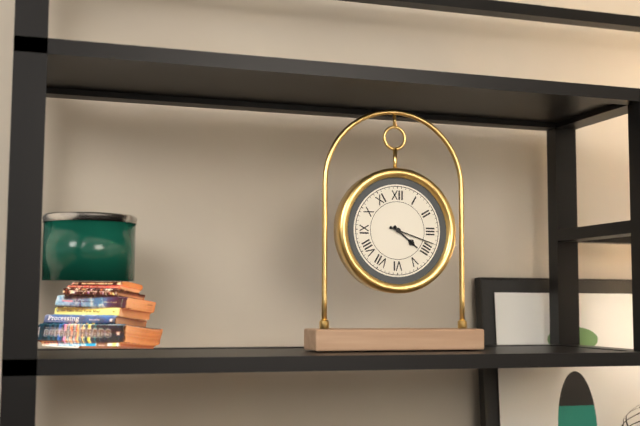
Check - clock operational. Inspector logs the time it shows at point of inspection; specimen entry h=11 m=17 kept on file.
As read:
h=4 m=18
